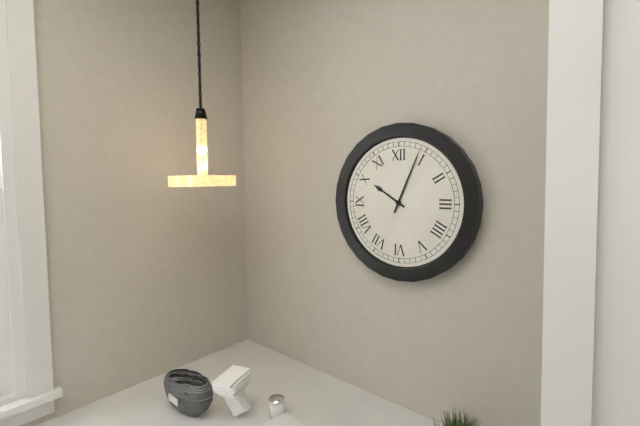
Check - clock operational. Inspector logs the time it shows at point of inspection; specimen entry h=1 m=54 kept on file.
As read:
h=10 m=4
